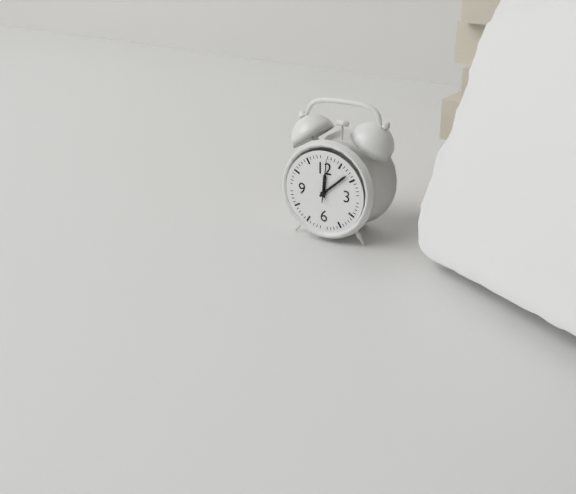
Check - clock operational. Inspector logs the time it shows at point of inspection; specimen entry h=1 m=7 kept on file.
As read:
h=12 m=8
